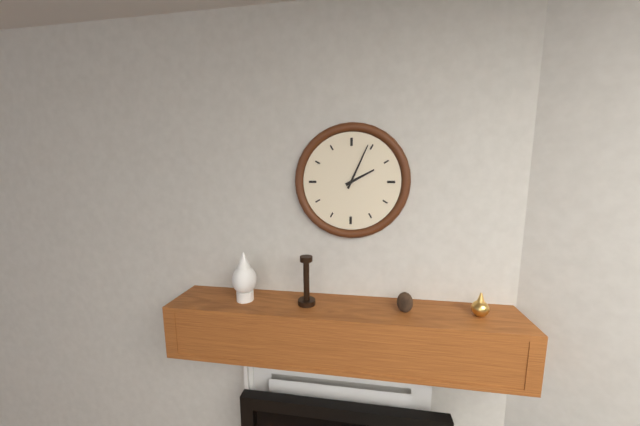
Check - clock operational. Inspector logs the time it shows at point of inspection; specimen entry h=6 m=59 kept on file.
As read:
h=2 m=4
